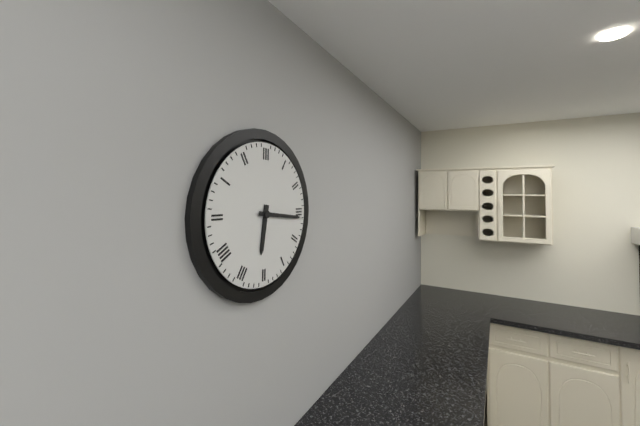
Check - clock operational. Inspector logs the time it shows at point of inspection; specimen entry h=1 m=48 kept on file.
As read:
h=6 m=16
